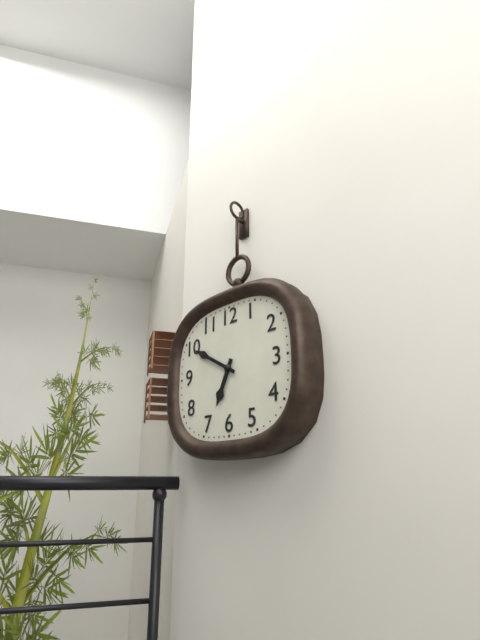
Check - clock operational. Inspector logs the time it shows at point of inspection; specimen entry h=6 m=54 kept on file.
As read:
h=6 m=50
